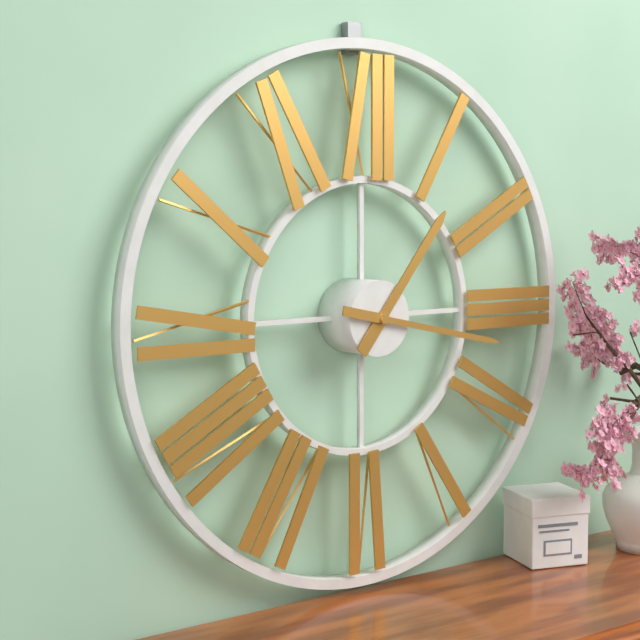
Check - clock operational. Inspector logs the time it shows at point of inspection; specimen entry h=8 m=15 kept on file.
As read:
h=1 m=17
